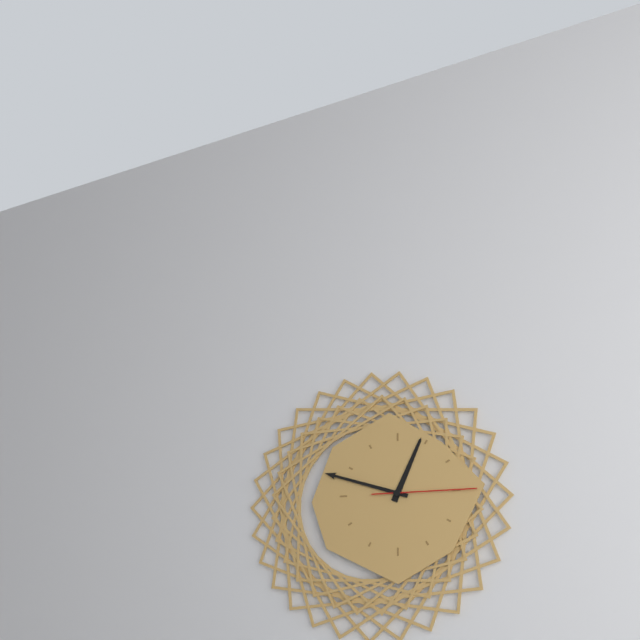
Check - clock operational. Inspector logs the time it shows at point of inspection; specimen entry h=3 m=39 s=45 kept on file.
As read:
h=12 m=48 s=15
